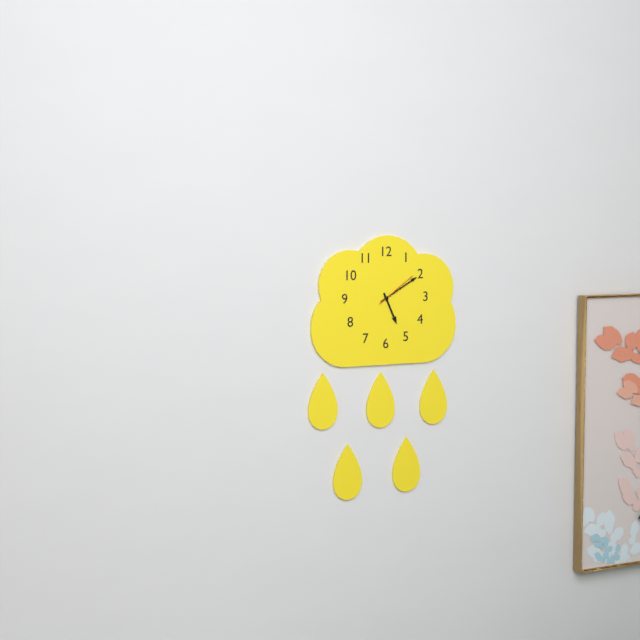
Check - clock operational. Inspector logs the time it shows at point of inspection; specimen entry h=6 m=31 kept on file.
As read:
h=5 m=10
